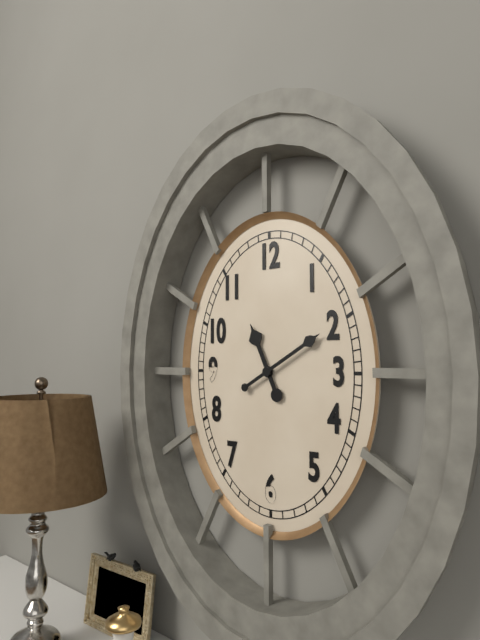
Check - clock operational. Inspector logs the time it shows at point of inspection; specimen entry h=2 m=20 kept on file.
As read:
h=11 m=10
